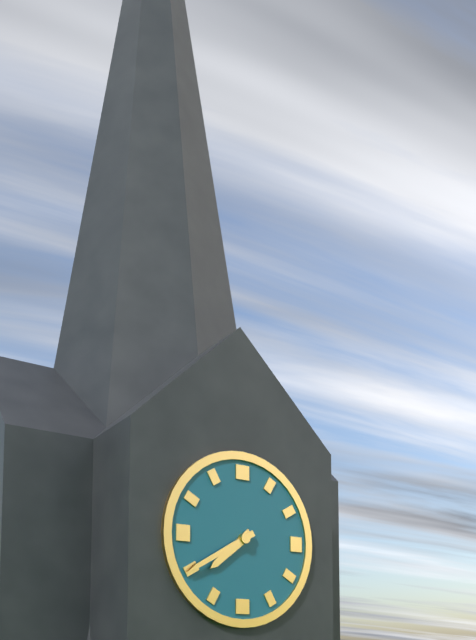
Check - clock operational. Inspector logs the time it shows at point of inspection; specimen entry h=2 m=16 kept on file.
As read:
h=7 m=40
